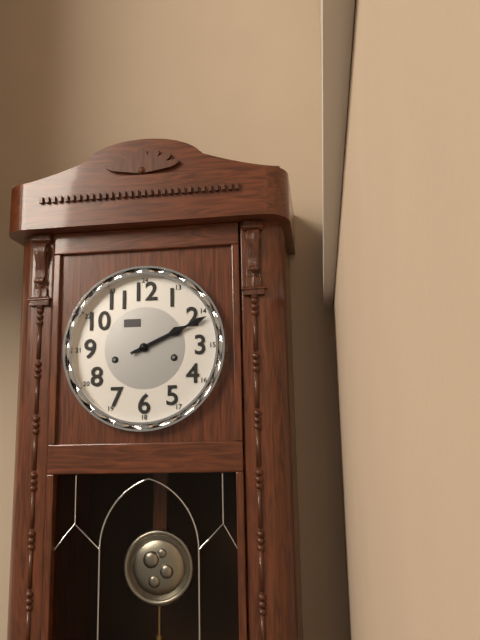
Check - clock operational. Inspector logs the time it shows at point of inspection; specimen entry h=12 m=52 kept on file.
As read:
h=2 m=11
